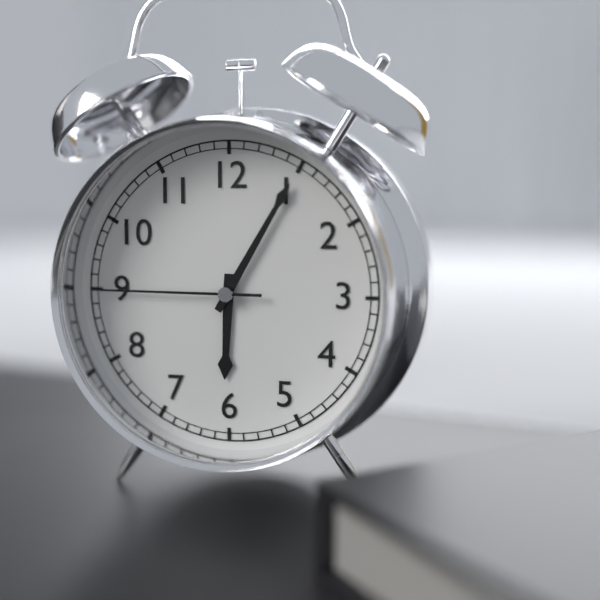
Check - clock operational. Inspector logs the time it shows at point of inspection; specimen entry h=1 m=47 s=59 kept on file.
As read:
h=6 m=5 s=45
